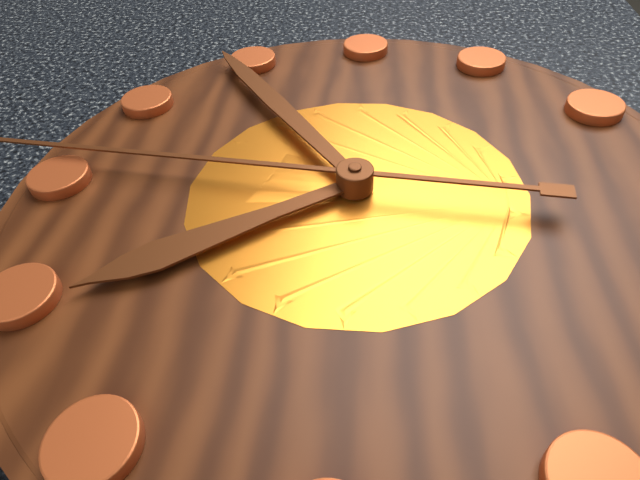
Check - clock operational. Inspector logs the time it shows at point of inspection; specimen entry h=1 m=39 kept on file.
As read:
h=7 m=54
